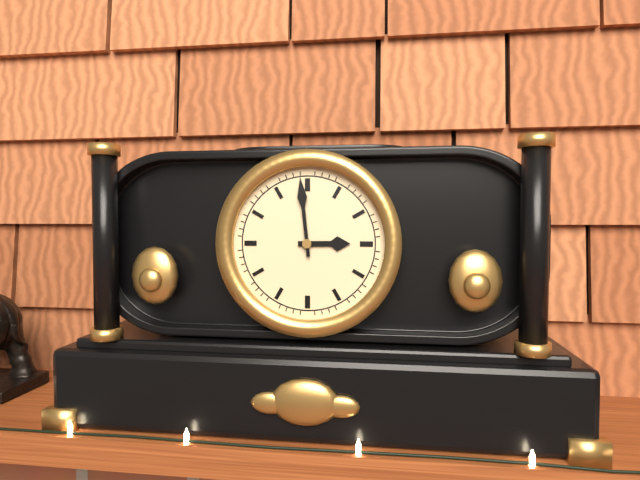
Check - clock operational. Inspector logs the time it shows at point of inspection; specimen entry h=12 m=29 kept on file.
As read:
h=2 m=59
